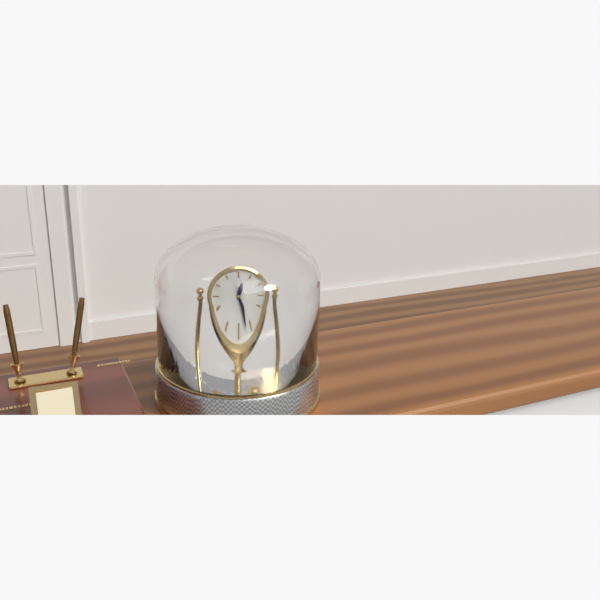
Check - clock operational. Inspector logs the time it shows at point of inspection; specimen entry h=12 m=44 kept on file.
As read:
h=12 m=27
